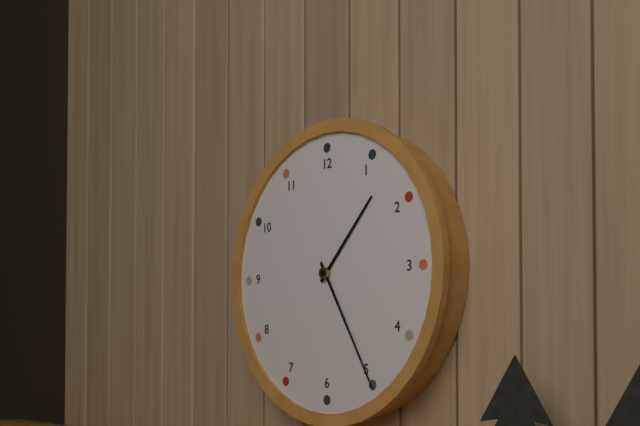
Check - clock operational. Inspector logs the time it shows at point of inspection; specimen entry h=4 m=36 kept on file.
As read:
h=1 m=25
